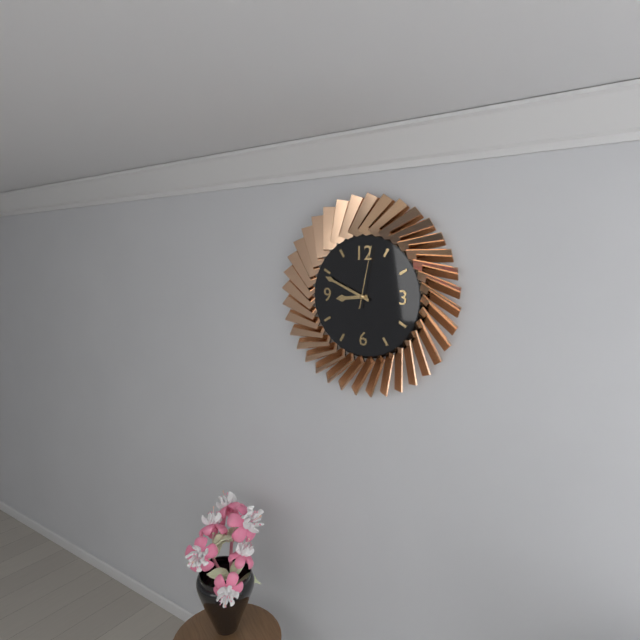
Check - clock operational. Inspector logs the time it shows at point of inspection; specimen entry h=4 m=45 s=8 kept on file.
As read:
h=8 m=49 s=2
